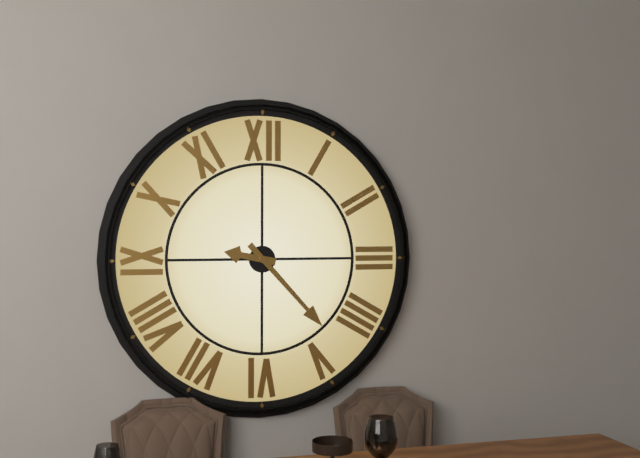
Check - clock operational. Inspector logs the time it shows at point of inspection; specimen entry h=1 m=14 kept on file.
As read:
h=9 m=23
